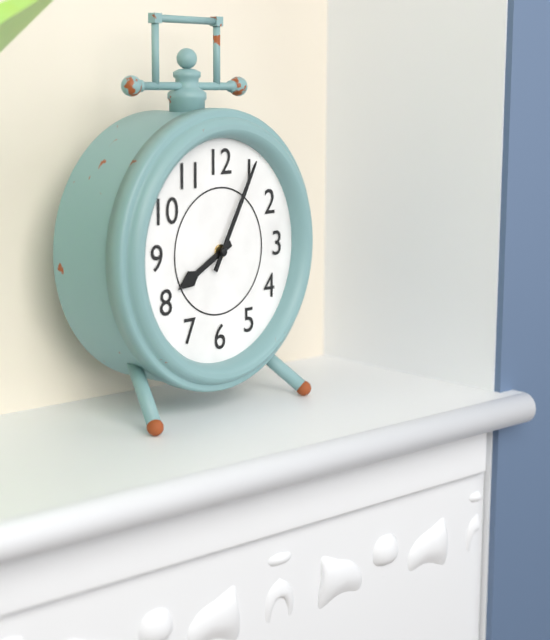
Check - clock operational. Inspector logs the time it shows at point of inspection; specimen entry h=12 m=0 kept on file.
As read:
h=8 m=5
